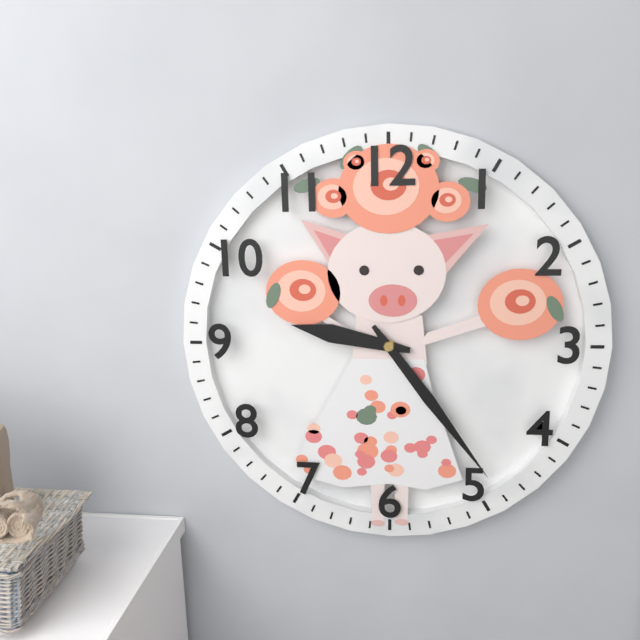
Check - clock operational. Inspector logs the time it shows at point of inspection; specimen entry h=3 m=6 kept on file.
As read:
h=9 m=24
